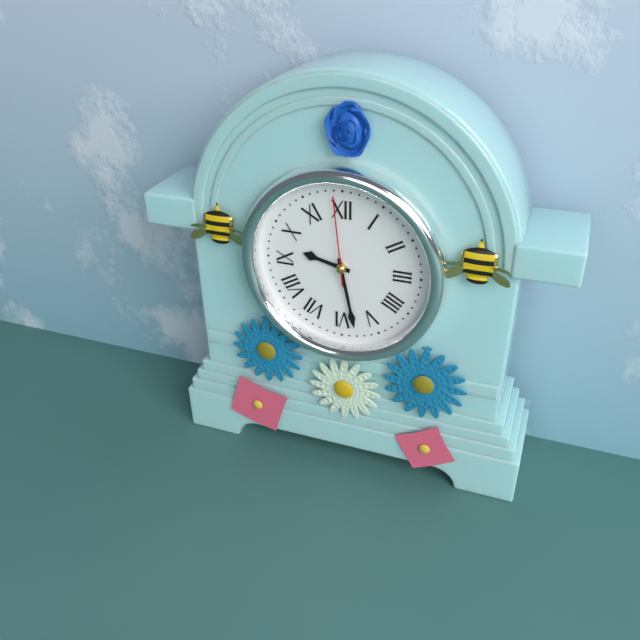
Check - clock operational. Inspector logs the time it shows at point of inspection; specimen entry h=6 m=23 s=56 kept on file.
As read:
h=9 m=28 s=59
